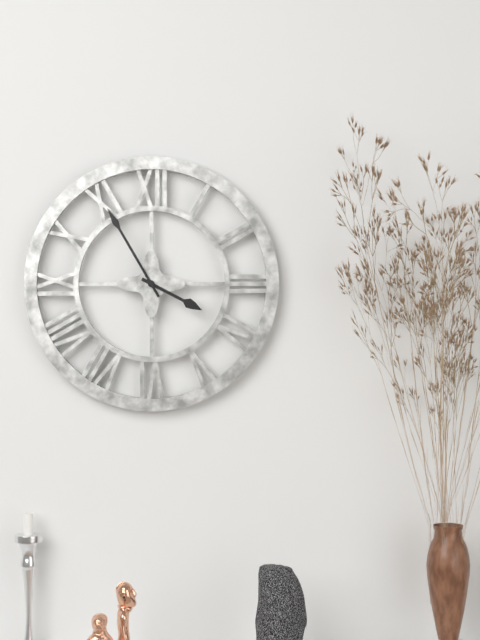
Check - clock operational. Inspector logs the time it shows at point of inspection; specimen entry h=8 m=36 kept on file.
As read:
h=3 m=55
